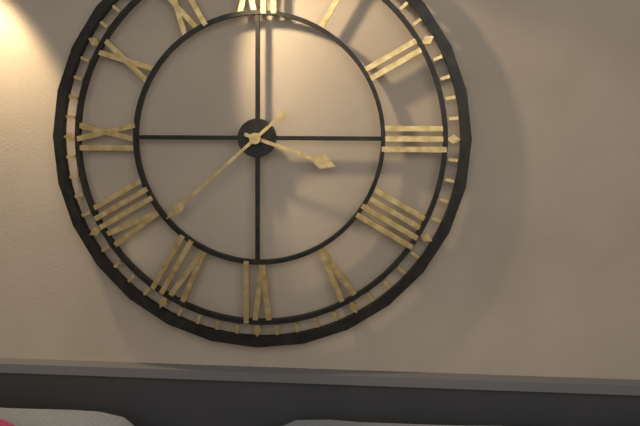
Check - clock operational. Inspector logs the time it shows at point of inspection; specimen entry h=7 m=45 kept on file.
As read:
h=3 m=38
